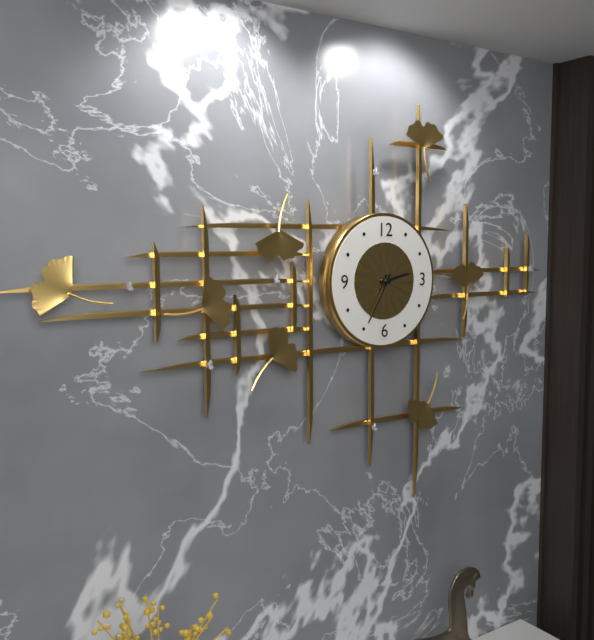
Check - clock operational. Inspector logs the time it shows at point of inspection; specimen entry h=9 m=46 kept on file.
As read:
h=2 m=35
